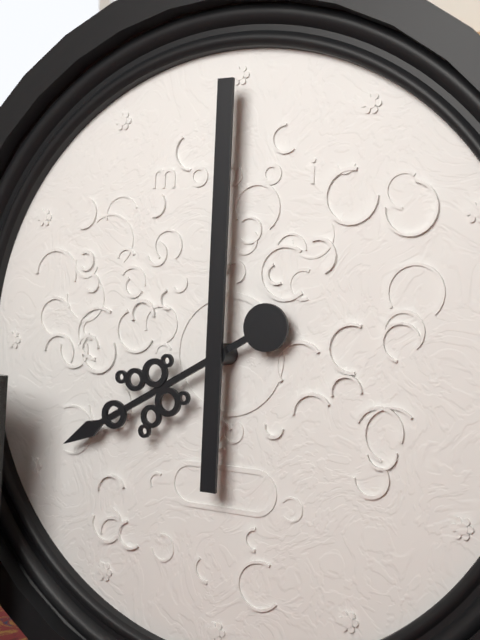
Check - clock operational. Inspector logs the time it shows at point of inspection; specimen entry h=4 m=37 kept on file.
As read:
h=8 m=0
